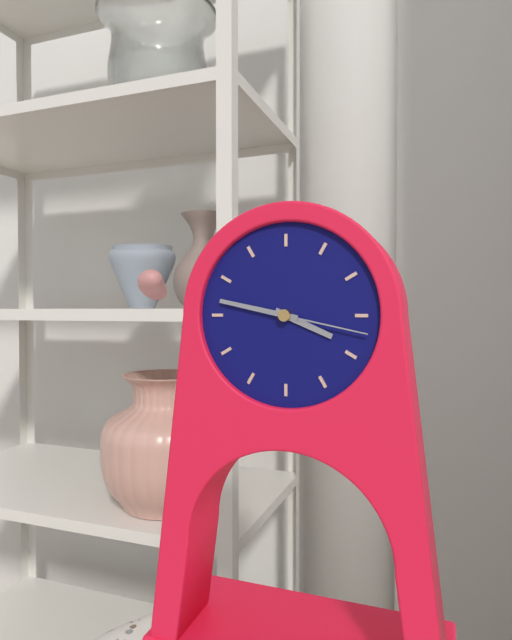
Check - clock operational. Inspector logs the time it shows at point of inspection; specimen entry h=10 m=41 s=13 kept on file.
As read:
h=3 m=47 s=17
